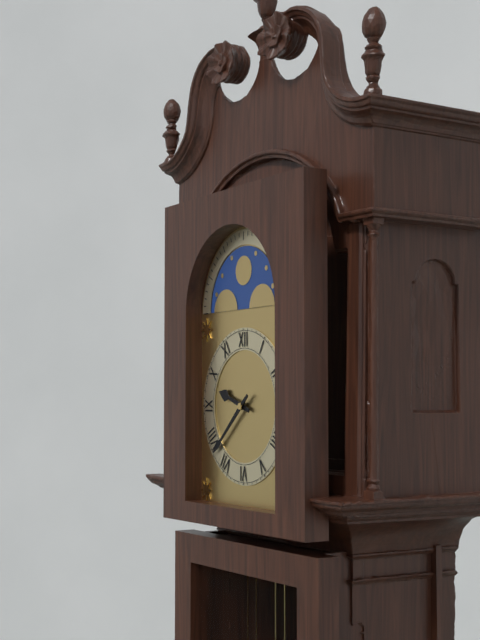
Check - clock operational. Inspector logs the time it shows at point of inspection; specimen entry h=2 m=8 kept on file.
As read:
h=9 m=38
